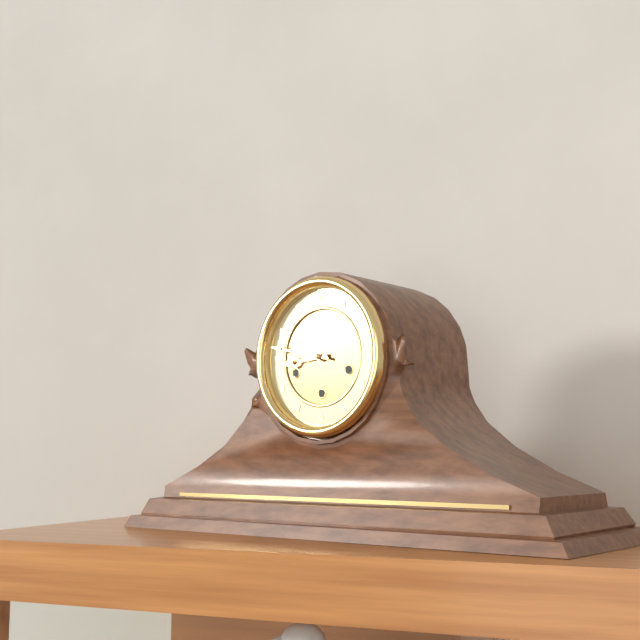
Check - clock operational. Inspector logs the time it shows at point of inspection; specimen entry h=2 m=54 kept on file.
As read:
h=8 m=47
